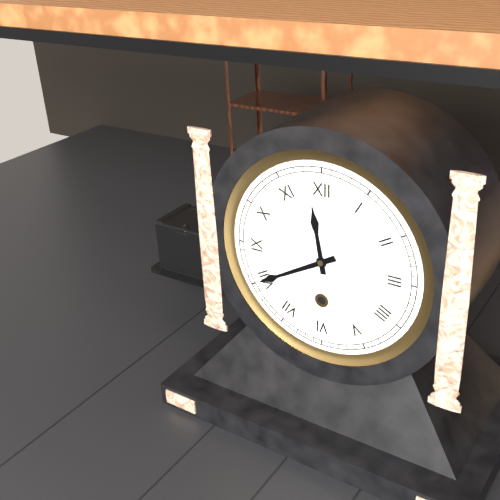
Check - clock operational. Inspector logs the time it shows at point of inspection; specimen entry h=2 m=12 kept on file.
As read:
h=11 m=40
